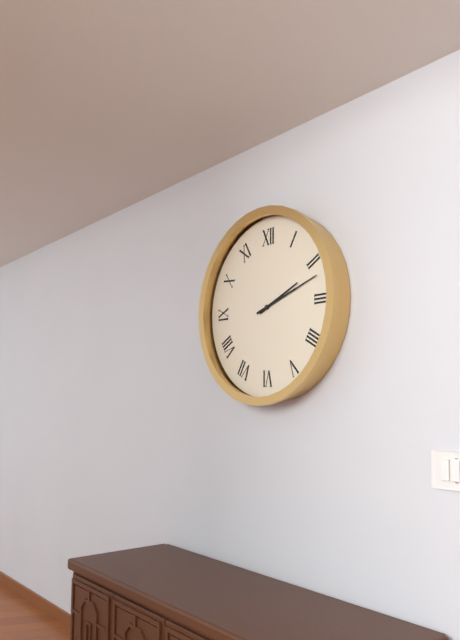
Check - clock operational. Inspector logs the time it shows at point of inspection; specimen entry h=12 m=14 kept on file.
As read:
h=2 m=12
